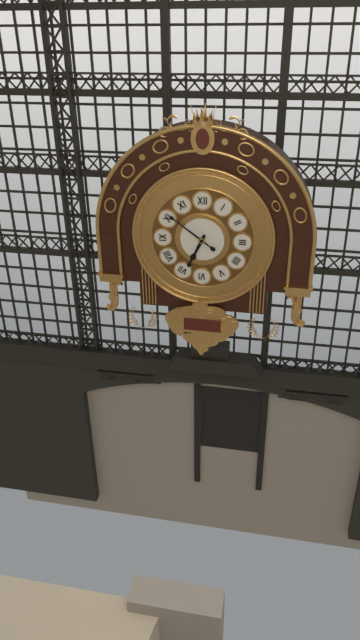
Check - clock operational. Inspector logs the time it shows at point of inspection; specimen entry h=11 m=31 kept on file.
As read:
h=6 m=51
